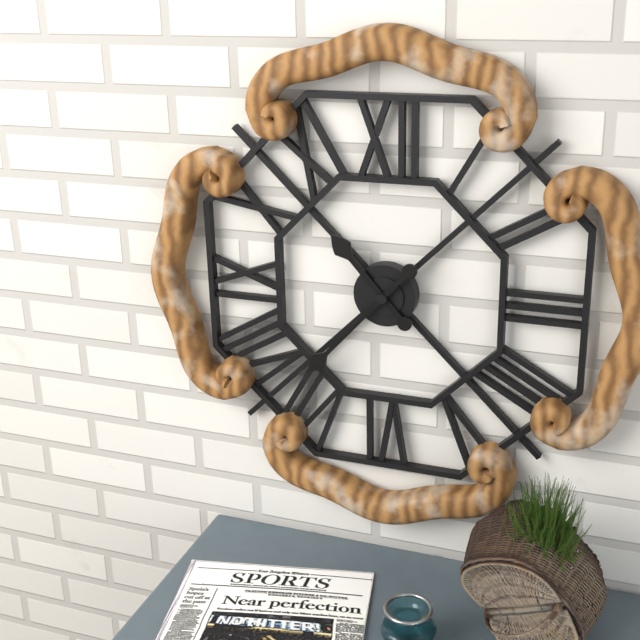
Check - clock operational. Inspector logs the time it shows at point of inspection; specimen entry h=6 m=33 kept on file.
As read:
h=10 m=37
